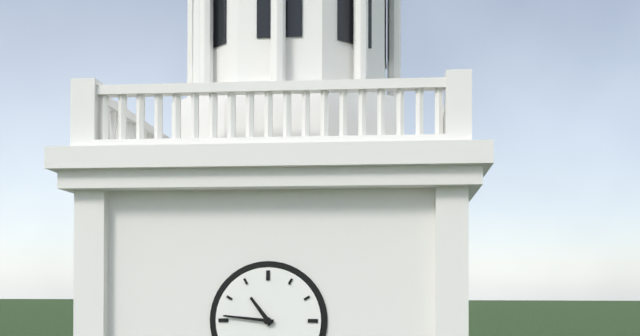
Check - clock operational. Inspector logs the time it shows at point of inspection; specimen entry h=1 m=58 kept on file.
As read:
h=10 m=46
